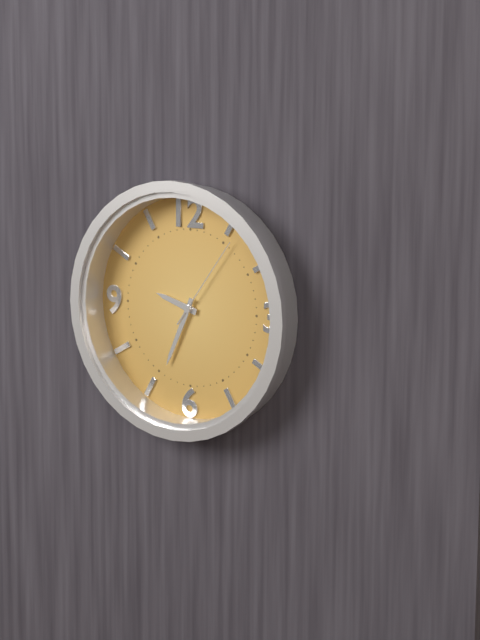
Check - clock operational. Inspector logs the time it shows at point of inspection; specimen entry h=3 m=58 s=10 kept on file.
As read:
h=9 m=34 s=6
